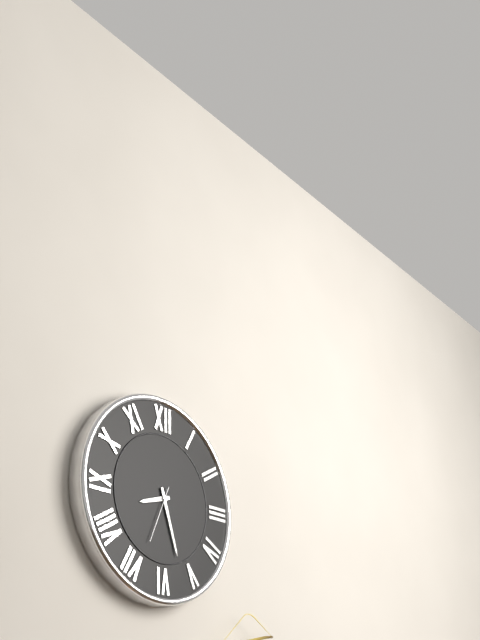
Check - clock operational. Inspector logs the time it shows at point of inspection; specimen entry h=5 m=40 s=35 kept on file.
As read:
h=8 m=27 s=34
